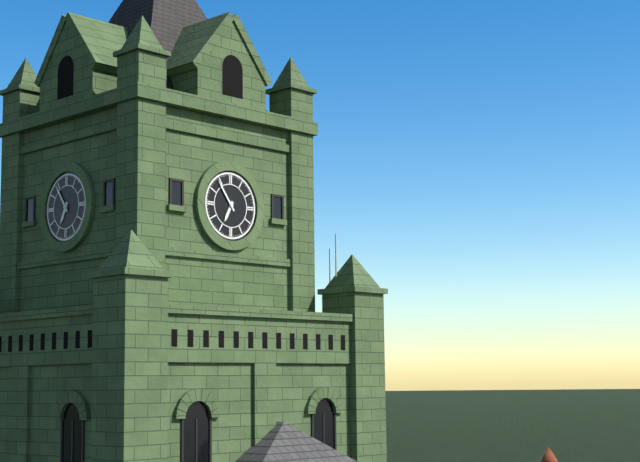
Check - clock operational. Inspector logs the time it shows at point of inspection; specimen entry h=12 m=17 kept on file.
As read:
h=6 m=54
